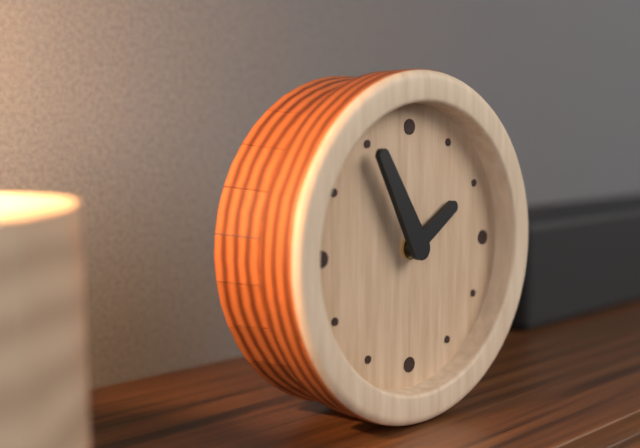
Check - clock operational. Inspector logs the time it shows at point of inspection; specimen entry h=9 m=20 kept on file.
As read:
h=1 m=55
